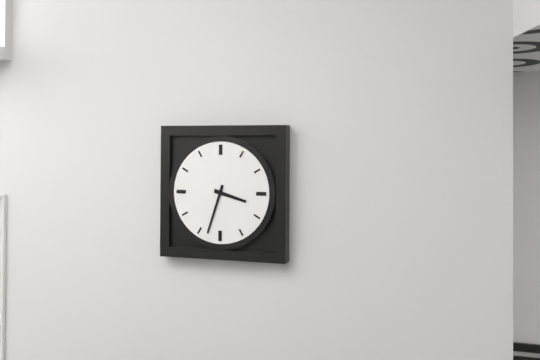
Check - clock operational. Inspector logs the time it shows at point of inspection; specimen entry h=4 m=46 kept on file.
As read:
h=3 m=33
